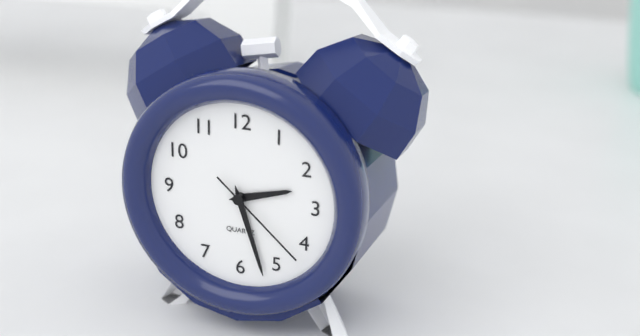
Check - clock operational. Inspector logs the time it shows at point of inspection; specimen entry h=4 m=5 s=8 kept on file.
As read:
h=2 m=27 s=22
